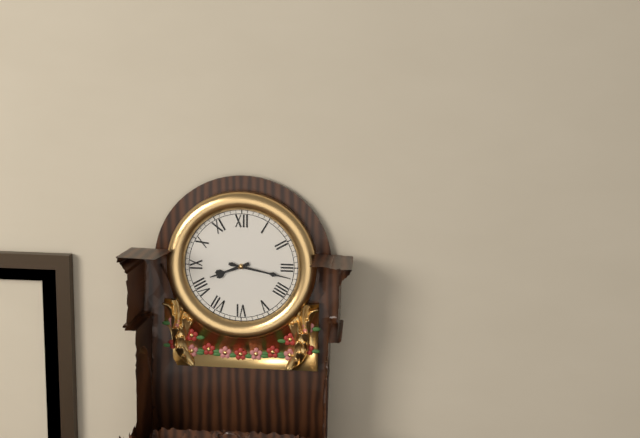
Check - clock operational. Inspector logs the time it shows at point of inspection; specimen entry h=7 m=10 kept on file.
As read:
h=8 m=17
